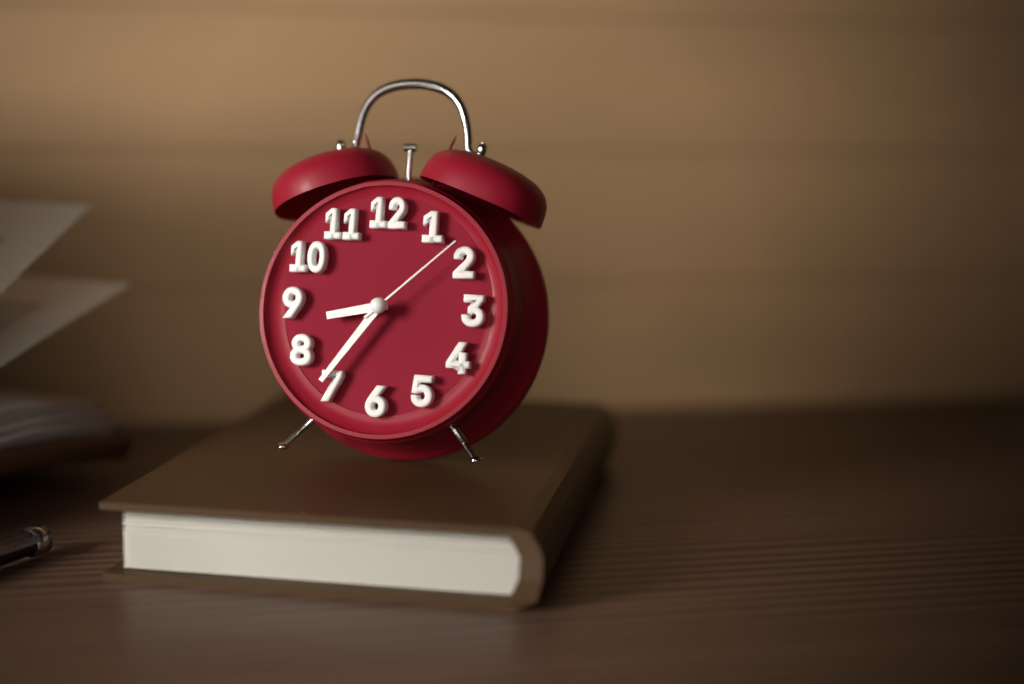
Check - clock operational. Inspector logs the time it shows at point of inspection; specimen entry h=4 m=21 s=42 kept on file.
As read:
h=8 m=36 s=8
